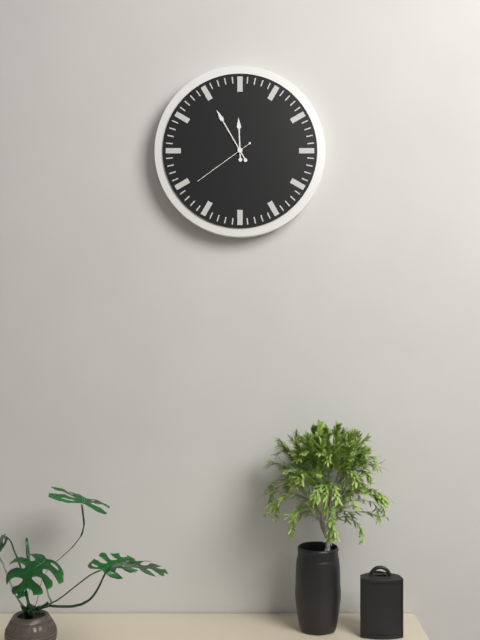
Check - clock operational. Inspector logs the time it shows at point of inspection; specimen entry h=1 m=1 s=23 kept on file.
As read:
h=11 m=55 s=39
